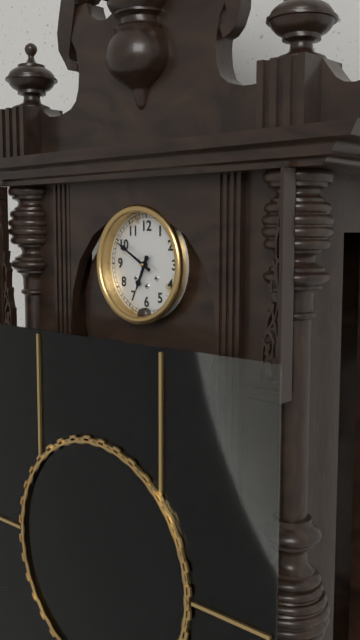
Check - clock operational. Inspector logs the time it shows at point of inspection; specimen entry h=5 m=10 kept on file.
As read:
h=6 m=50
